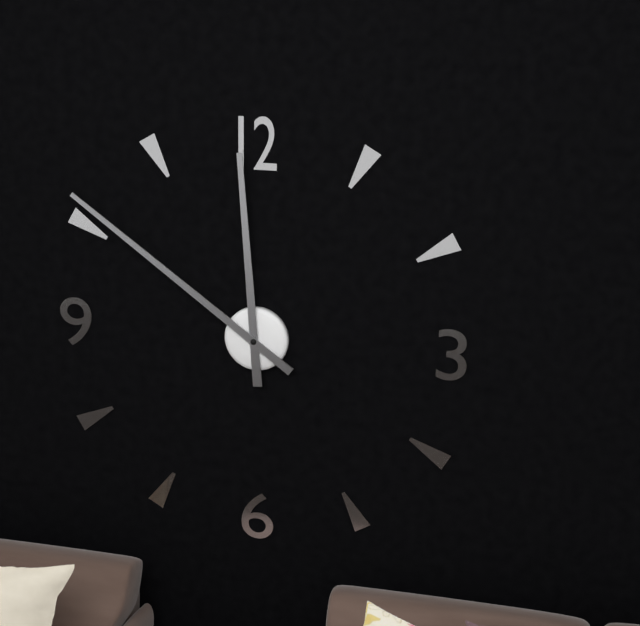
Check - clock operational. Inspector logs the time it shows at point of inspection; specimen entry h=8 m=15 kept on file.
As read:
h=11 m=51
